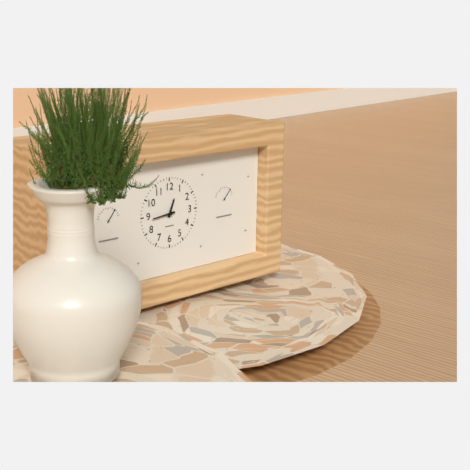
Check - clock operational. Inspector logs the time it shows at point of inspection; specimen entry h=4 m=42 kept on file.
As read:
h=12 m=44
